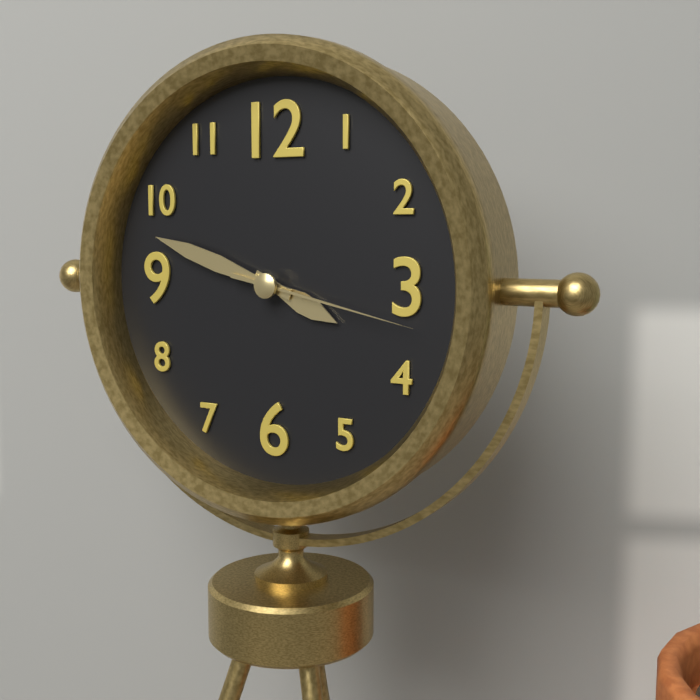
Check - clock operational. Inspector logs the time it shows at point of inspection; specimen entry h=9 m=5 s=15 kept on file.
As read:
h=3 m=48 s=17
